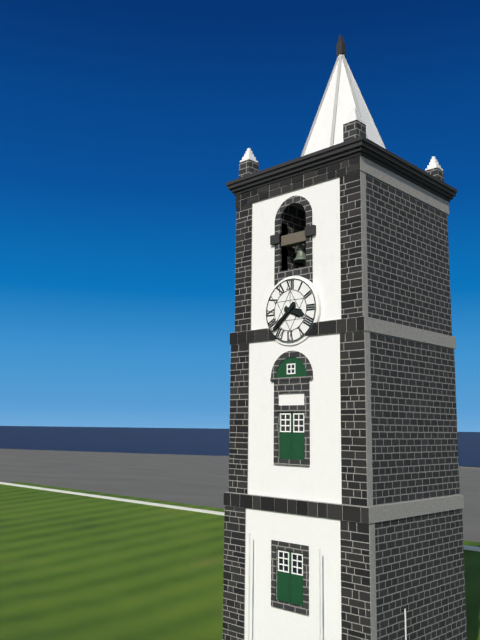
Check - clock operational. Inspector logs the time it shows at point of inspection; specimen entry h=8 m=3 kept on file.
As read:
h=3 m=38
